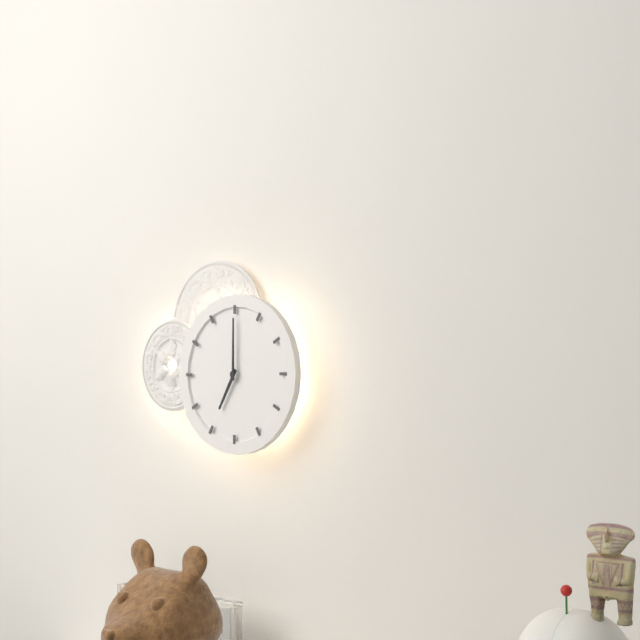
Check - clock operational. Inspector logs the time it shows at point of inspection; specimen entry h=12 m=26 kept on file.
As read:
h=7 m=0
